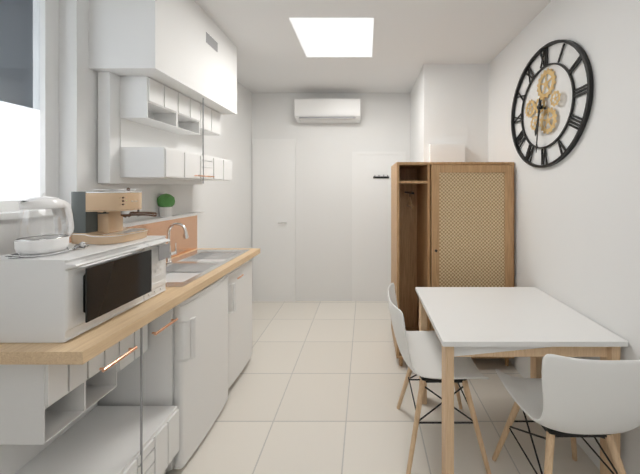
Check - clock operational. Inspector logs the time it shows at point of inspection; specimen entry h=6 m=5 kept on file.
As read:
h=6 m=31
